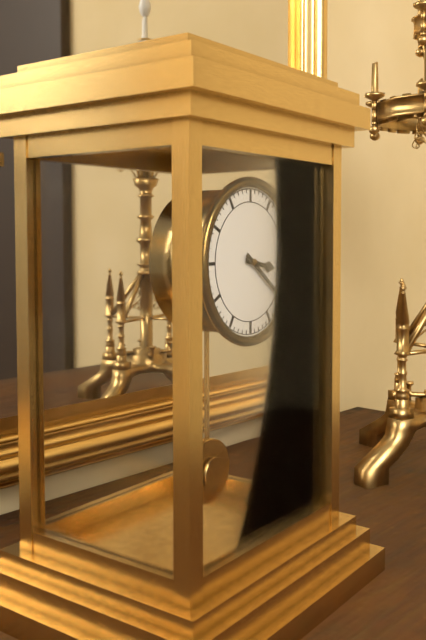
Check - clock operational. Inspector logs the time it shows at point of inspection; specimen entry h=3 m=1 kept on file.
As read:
h=3 m=21
